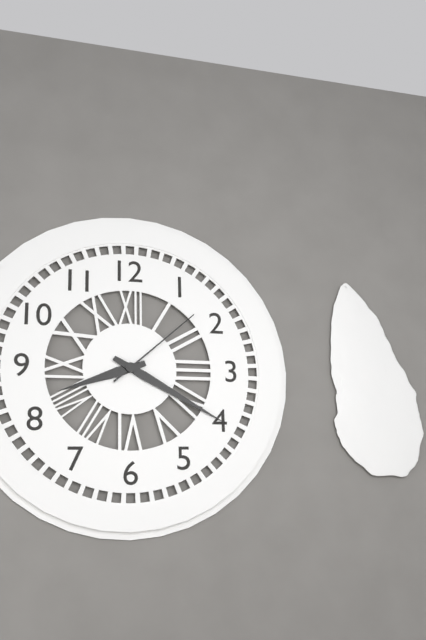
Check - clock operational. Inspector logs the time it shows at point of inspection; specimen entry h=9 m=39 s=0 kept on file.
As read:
h=8 m=20 s=8
